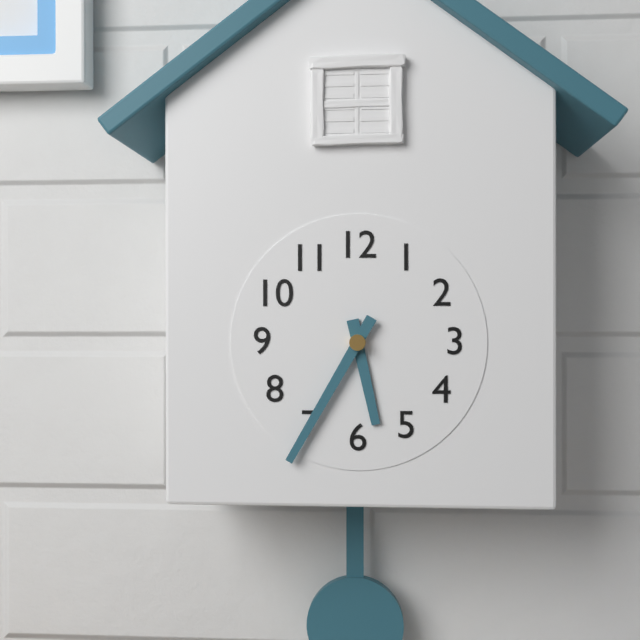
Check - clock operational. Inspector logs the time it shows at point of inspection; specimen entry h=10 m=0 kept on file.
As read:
h=5 m=35
